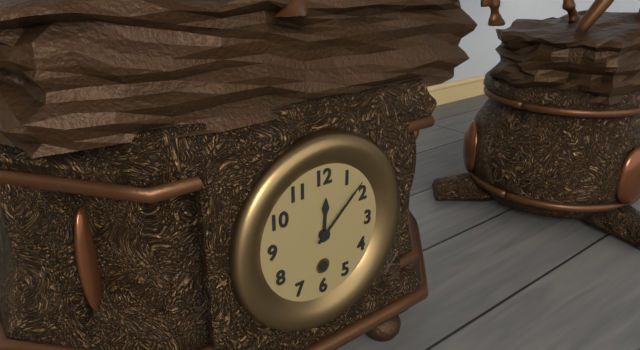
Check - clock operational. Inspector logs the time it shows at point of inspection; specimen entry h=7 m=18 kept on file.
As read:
h=12 m=8
